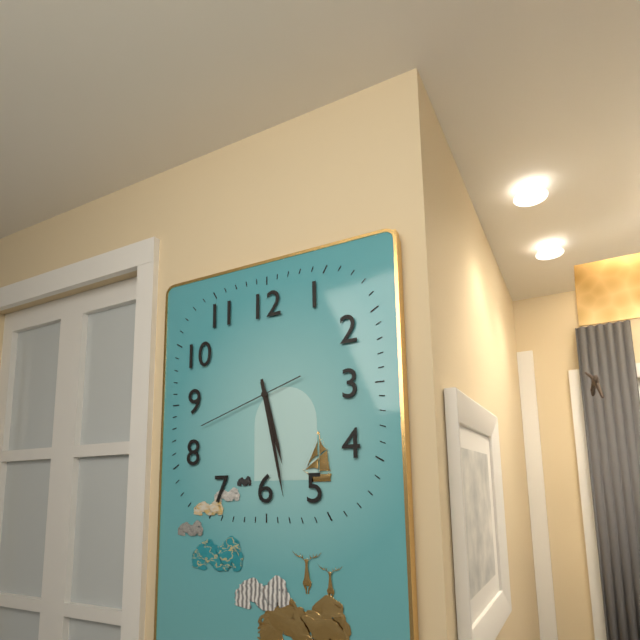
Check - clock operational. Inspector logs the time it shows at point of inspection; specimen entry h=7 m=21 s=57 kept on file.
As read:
h=5 m=28 s=42
